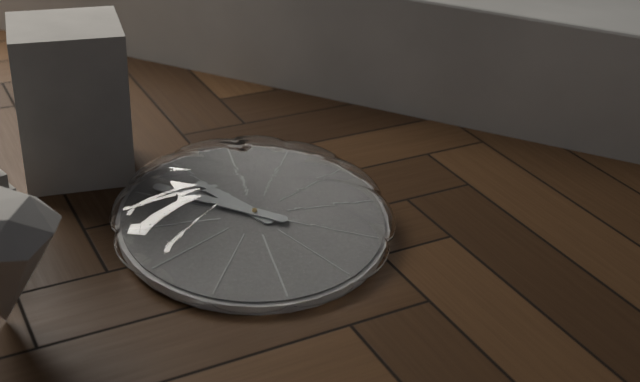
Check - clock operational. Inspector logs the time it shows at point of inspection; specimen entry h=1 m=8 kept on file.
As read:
h=10 m=51
